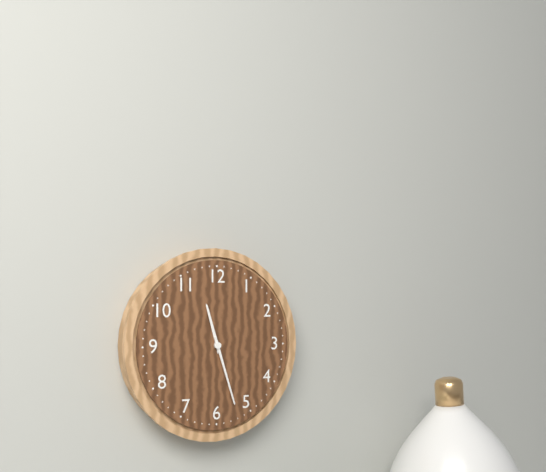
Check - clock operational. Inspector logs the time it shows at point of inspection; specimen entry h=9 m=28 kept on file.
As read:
h=11 m=27
